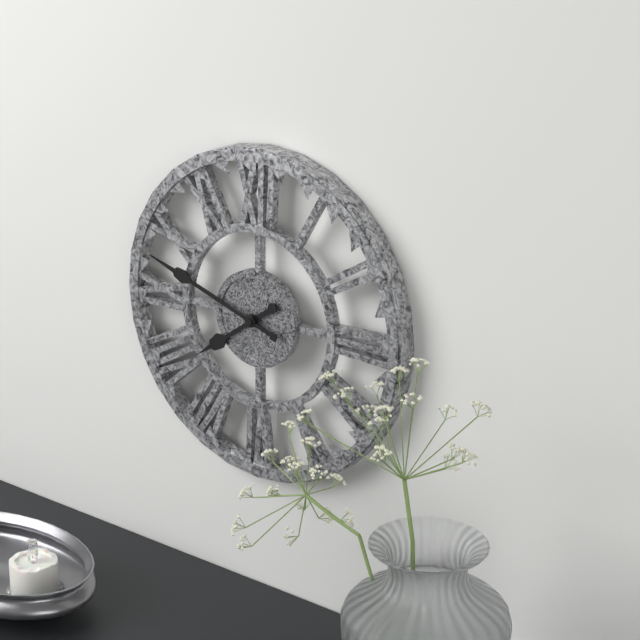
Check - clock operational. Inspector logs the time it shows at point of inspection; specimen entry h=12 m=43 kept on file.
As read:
h=7 m=48
